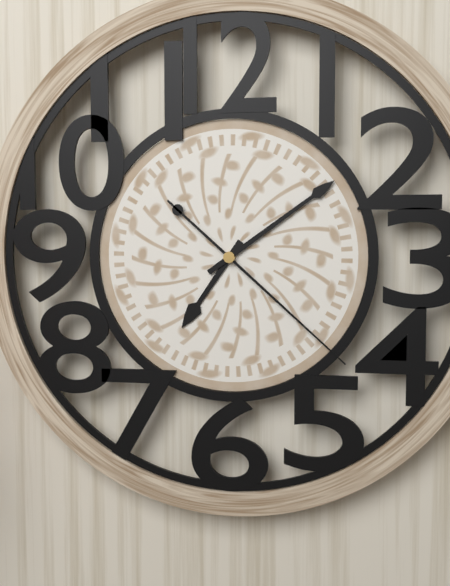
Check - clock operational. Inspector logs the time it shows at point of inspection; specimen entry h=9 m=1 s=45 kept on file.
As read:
h=7 m=9 s=22
